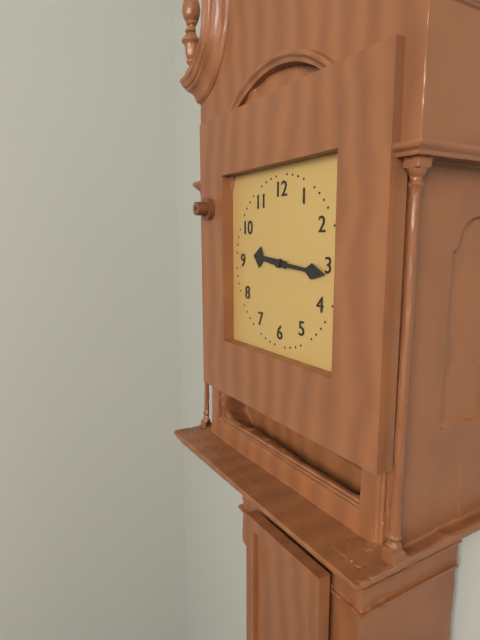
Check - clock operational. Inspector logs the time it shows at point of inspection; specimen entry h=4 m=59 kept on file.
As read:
h=9 m=16
